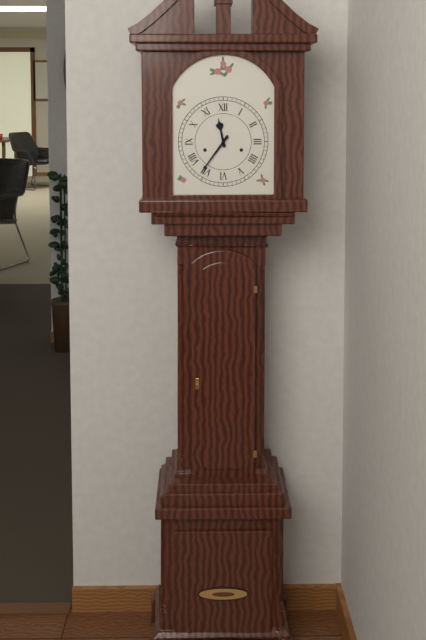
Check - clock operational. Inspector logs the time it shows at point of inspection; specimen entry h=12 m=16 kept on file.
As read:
h=11 m=36
